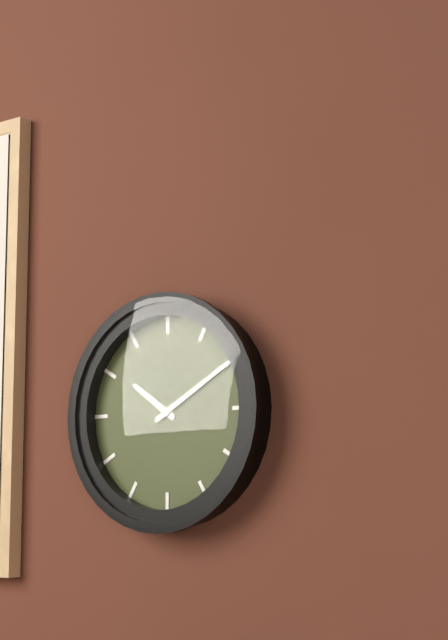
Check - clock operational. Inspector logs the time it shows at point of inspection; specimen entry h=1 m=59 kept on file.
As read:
h=10 m=10
